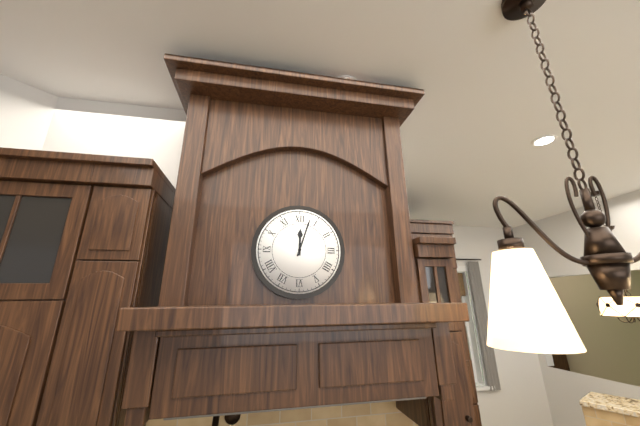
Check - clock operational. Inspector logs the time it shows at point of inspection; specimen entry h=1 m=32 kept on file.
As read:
h=12 m=3
